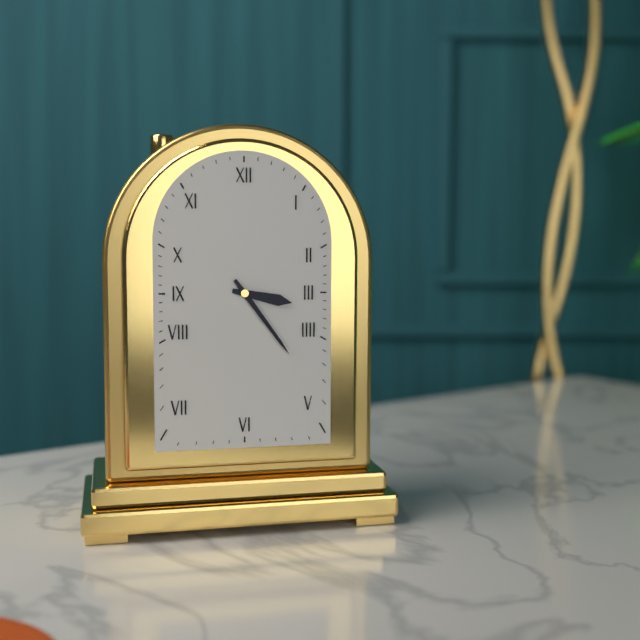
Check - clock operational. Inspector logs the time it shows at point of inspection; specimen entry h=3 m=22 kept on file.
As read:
h=3 m=24
